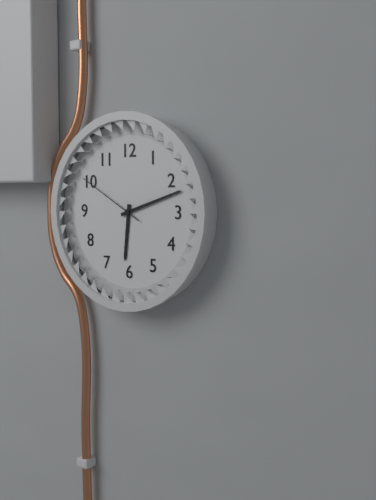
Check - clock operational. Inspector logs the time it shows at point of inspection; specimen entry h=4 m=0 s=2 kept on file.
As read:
h=6 m=12 s=50
